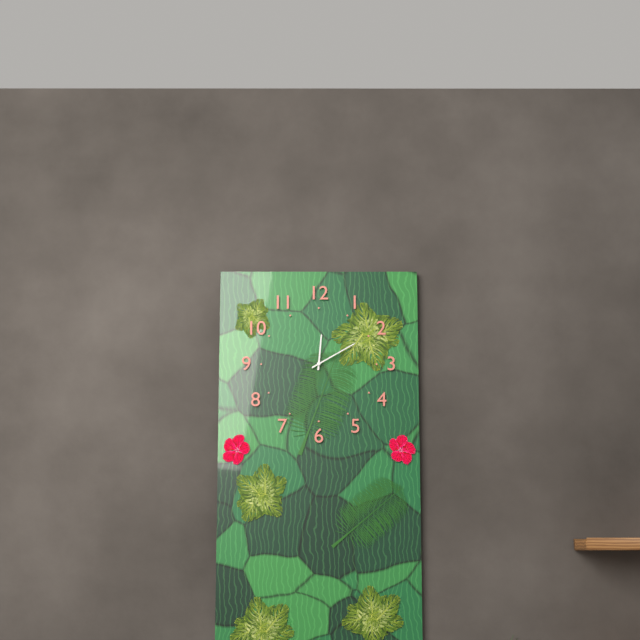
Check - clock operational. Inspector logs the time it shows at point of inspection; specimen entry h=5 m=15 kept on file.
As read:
h=12 m=10
